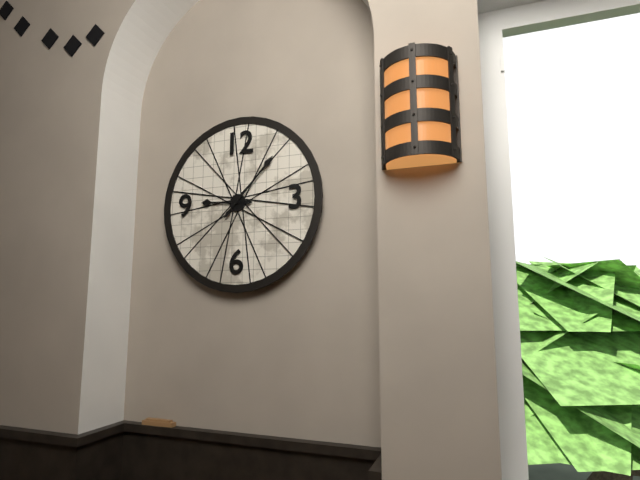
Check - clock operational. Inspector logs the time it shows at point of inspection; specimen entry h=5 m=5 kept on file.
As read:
h=9 m=7
